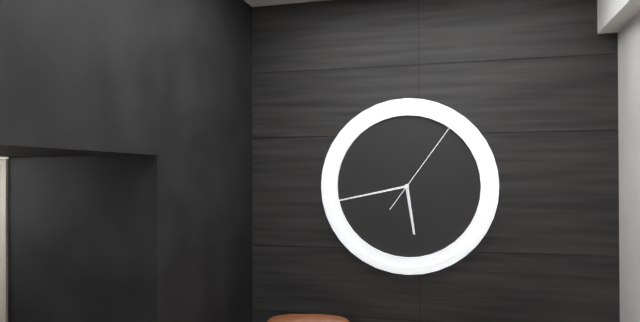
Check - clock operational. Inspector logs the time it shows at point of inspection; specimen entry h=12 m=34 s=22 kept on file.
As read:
h=5 m=43 s=6
